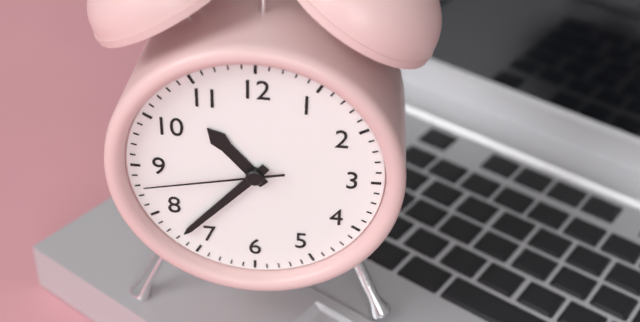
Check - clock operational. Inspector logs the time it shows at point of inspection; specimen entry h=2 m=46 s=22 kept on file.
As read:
h=10 m=37 s=43
